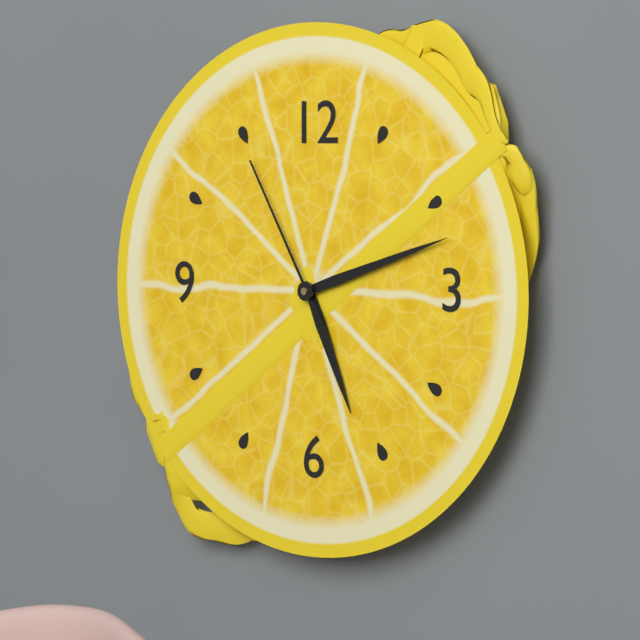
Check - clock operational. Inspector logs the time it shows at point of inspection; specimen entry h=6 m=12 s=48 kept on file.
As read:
h=5 m=12 s=55
